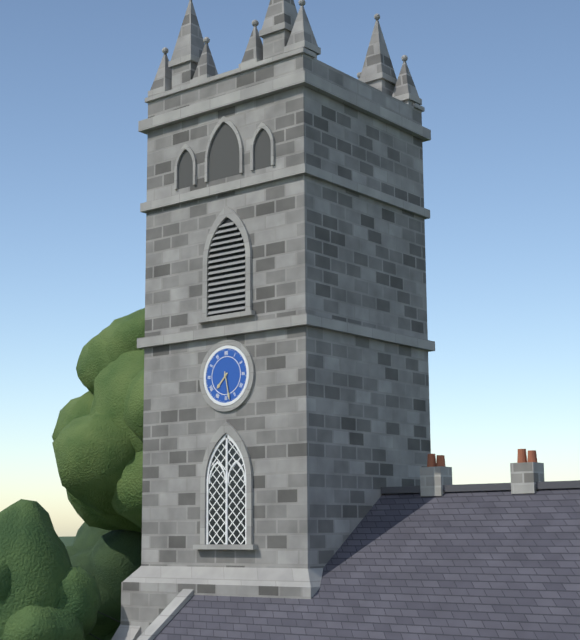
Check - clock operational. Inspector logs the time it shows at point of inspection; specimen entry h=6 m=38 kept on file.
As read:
h=7 m=28
